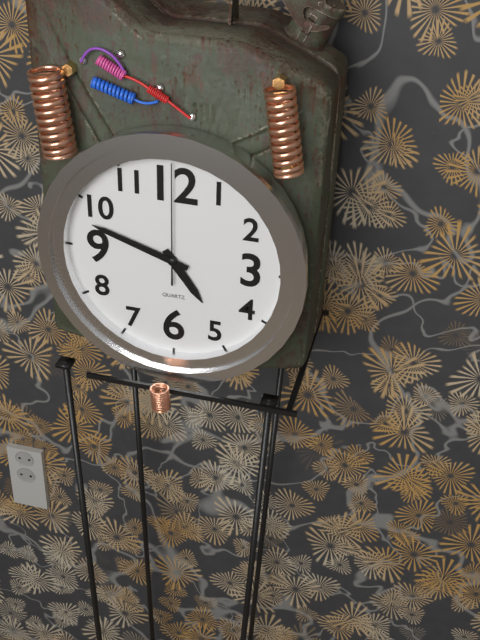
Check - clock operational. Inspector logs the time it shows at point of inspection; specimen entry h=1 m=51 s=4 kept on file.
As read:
h=4 m=48 s=0
